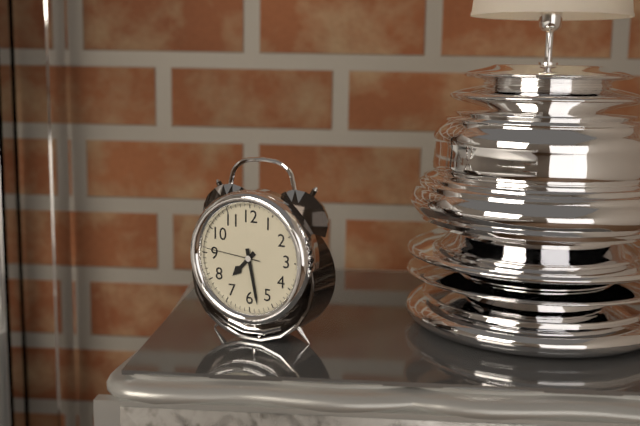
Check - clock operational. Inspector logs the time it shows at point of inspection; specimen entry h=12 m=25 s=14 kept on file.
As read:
h=7 m=28 s=46
